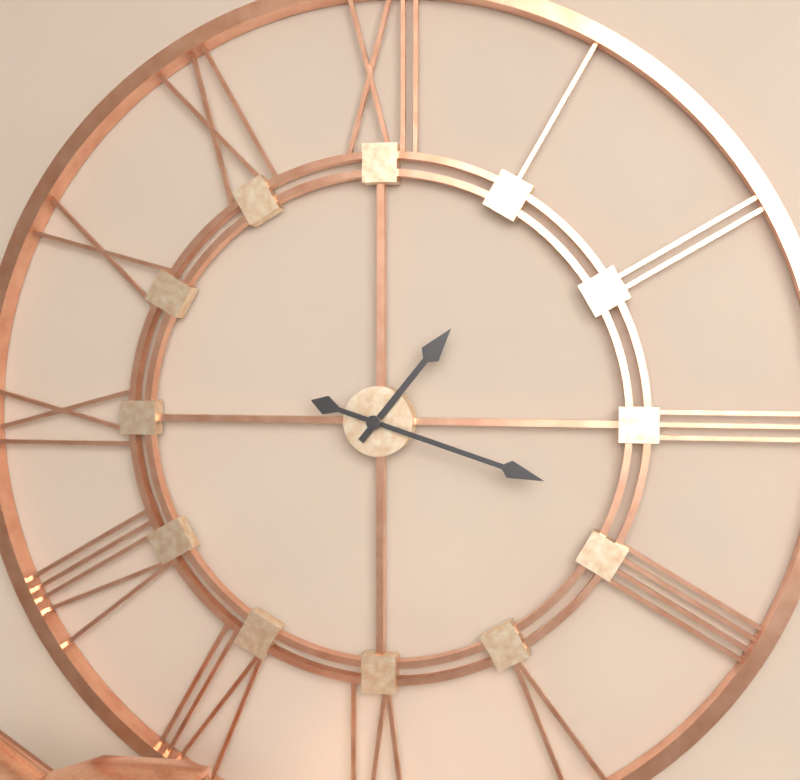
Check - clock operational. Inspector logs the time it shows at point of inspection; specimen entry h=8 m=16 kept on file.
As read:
h=1 m=18
